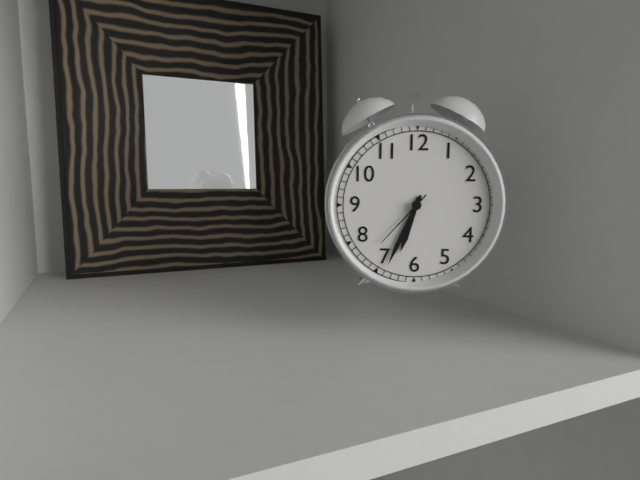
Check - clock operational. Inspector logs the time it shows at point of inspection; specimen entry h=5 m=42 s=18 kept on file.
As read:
h=6 m=34 s=37
